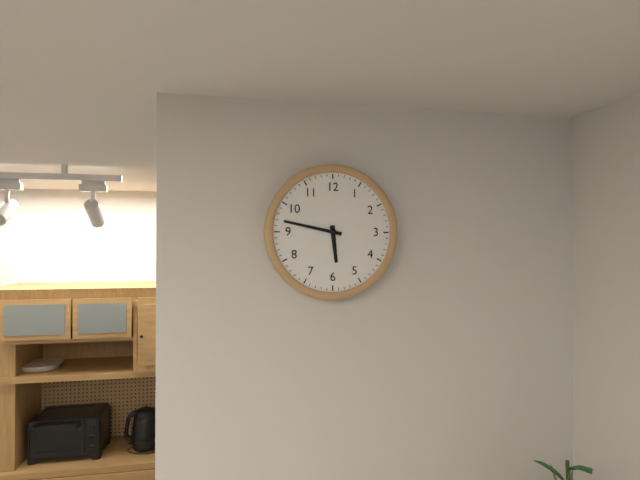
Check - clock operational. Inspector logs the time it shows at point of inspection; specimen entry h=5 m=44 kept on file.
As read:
h=5 m=47
